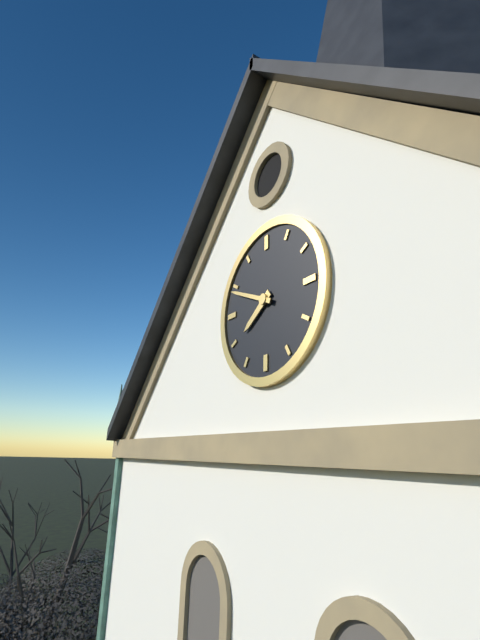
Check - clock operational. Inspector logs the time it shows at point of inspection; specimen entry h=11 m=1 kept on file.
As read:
h=7 m=49
